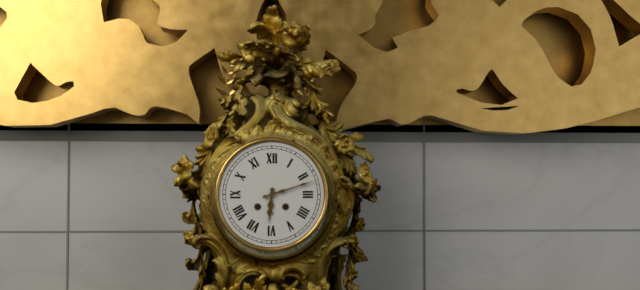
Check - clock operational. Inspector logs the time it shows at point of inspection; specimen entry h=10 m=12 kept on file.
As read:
h=6 m=12
